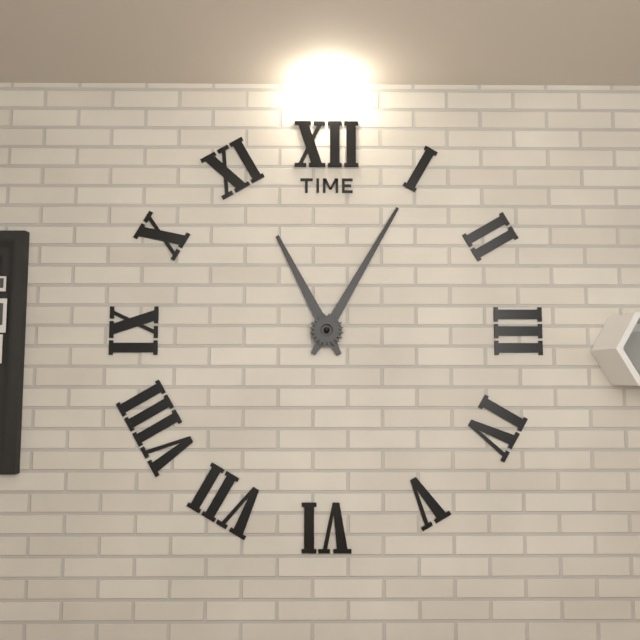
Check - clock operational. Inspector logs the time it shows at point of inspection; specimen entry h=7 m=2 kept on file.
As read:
h=11 m=5
